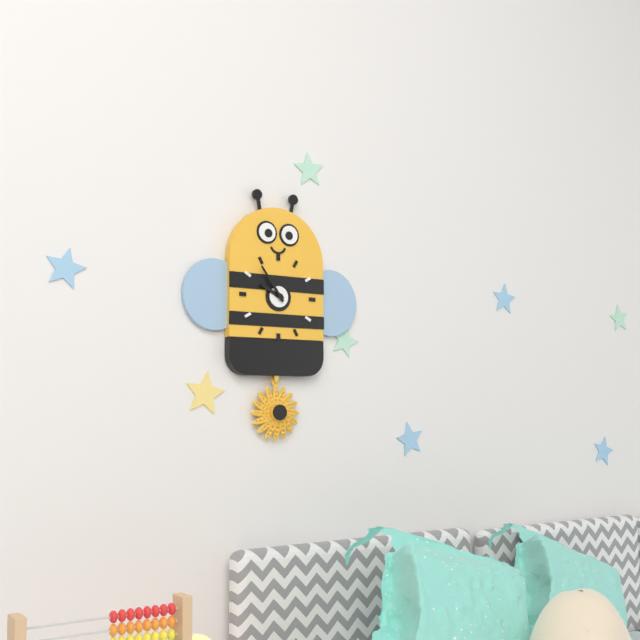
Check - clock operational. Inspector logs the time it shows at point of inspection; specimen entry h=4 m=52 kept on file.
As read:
h=9 m=54
